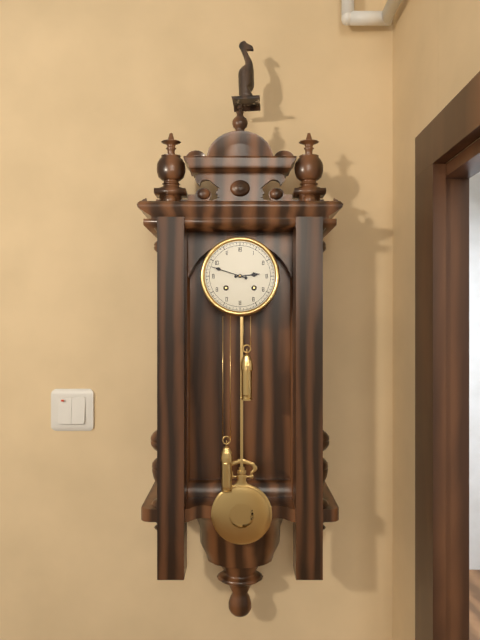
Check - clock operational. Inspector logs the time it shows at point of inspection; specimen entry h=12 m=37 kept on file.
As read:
h=2 m=48
